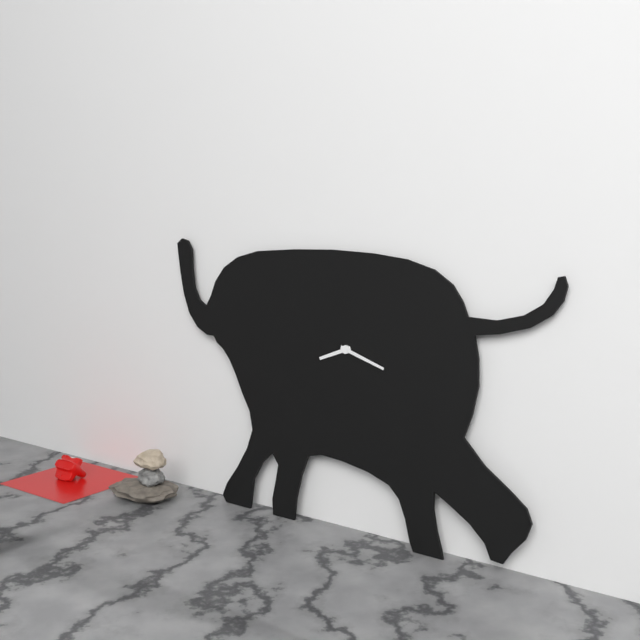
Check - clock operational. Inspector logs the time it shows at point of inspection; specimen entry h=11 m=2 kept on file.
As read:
h=8 m=18
